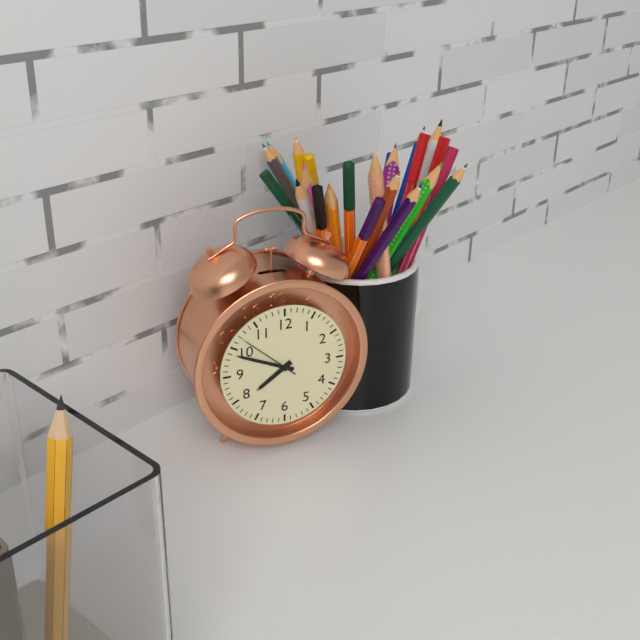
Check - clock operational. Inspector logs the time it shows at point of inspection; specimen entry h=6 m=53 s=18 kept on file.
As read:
h=7 m=49 s=52
